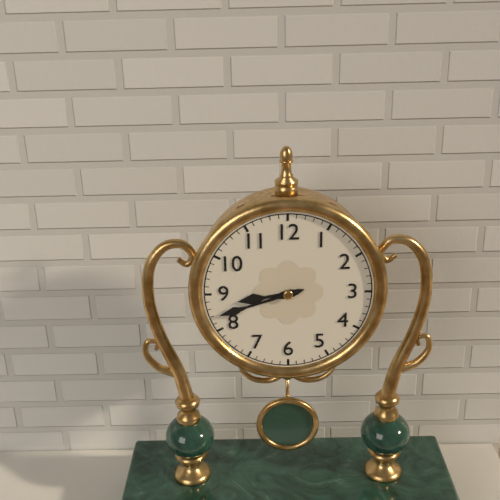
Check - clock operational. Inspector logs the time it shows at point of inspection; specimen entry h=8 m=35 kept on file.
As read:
h=8 m=42
